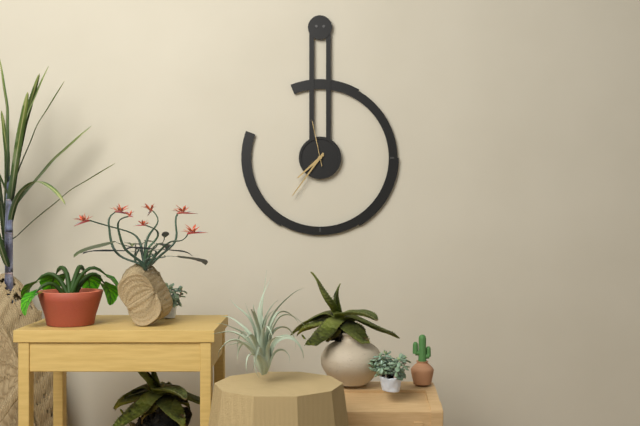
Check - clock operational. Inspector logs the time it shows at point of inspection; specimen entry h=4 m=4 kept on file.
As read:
h=7 m=36
